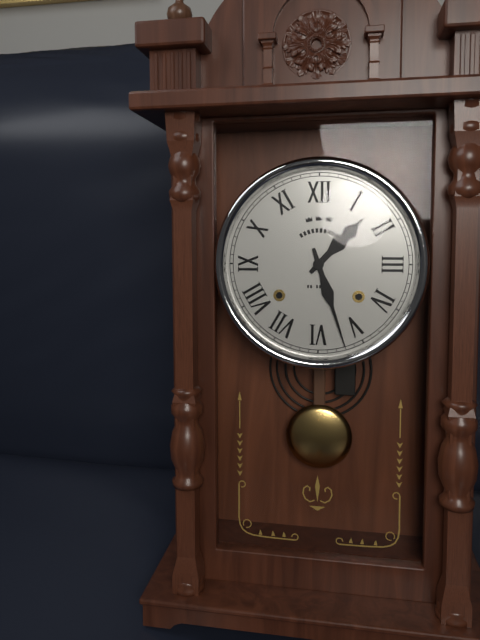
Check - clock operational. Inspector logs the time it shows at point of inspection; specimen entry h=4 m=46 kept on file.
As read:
h=1 m=27
